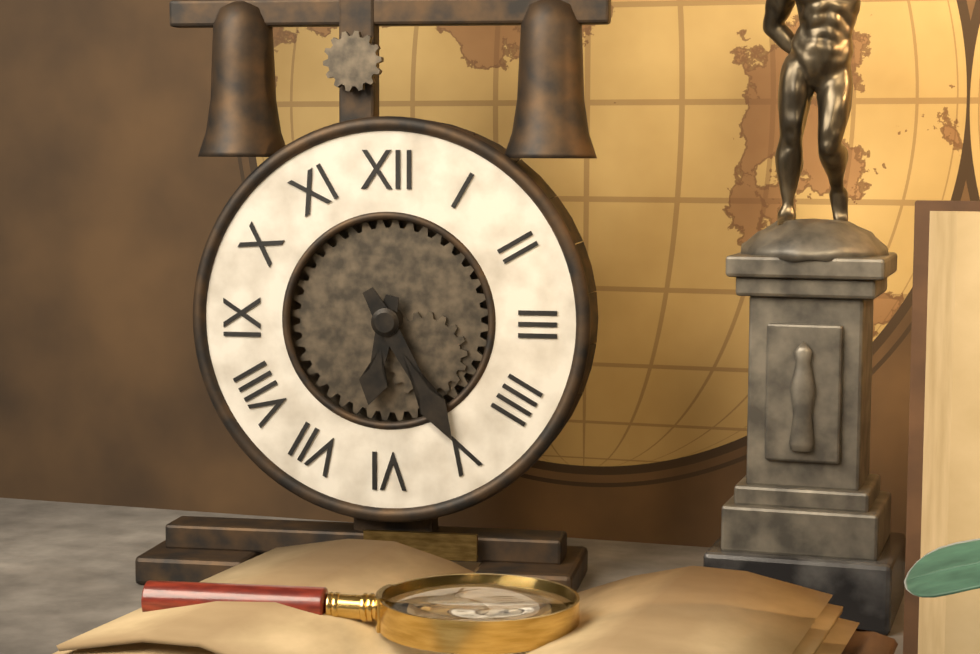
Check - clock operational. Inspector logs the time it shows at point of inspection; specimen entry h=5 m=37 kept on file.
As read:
h=6 m=25
